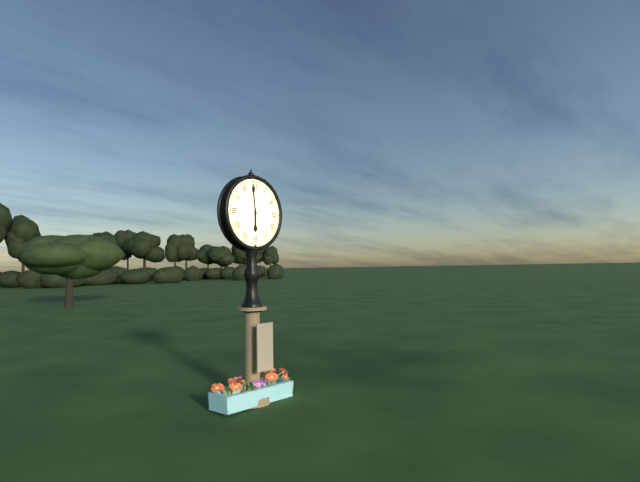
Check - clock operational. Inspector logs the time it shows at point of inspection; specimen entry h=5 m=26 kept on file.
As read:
h=5 m=59
